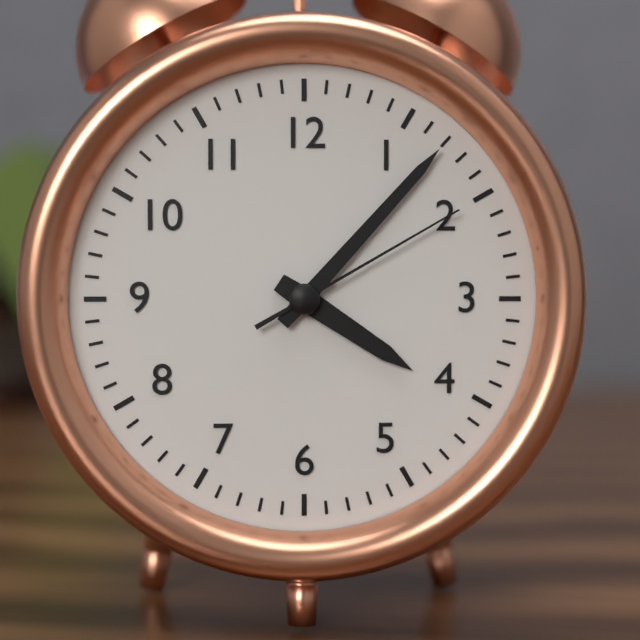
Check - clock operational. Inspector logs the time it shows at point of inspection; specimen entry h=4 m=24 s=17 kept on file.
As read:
h=4 m=7 s=10
